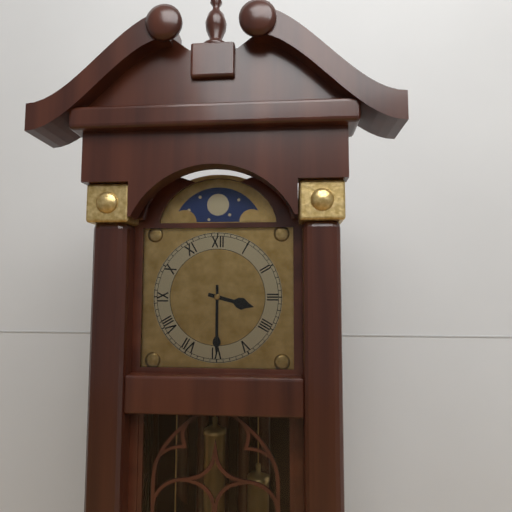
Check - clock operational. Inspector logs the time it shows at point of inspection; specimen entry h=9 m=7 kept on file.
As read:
h=3 m=30
